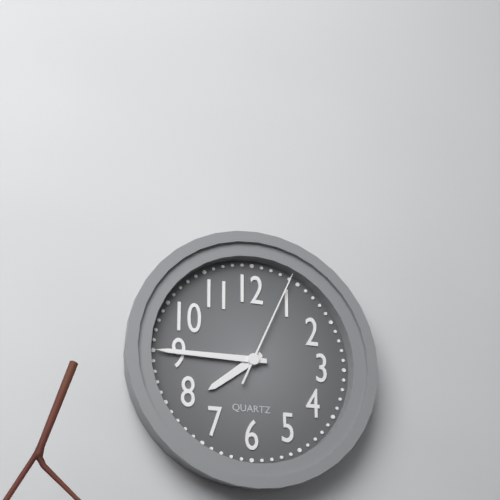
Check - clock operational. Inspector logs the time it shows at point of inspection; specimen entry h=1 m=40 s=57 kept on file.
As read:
h=7 m=45 s=4
